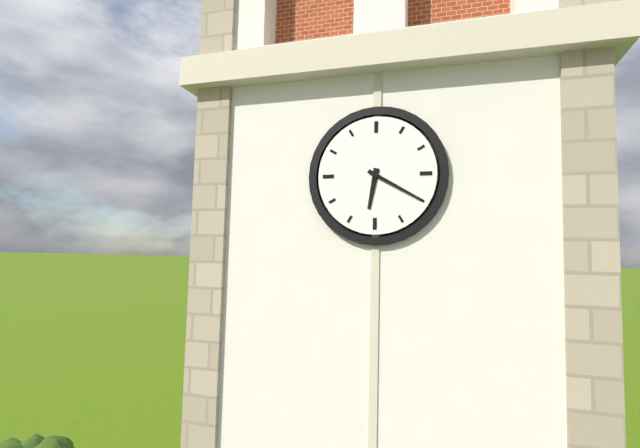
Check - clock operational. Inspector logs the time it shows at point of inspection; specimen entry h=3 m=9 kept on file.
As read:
h=6 m=20
